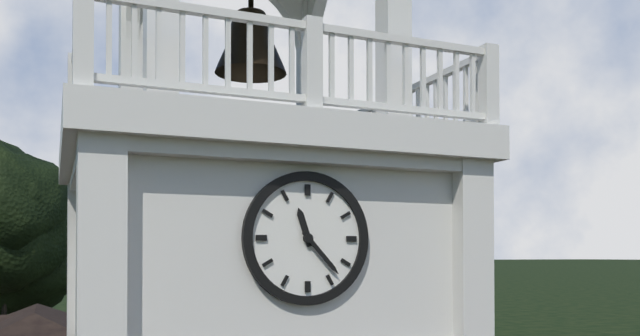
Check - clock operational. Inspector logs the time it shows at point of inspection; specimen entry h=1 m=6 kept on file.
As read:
h=11 m=23
